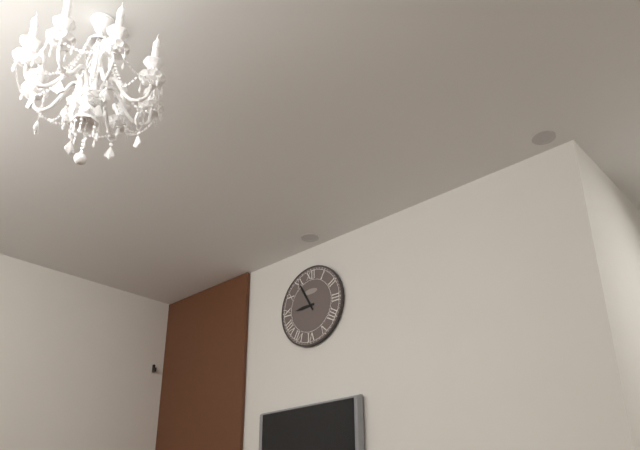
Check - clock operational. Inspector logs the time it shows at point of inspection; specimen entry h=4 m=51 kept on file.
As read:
h=8 m=55
